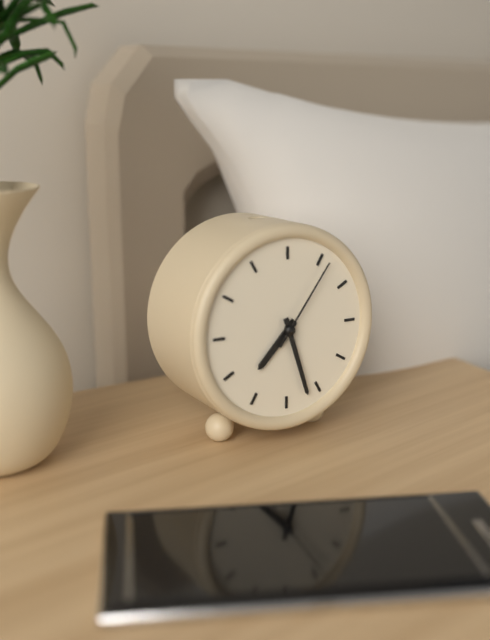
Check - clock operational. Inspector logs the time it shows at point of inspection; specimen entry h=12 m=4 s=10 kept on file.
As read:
h=7 m=27 s=6
